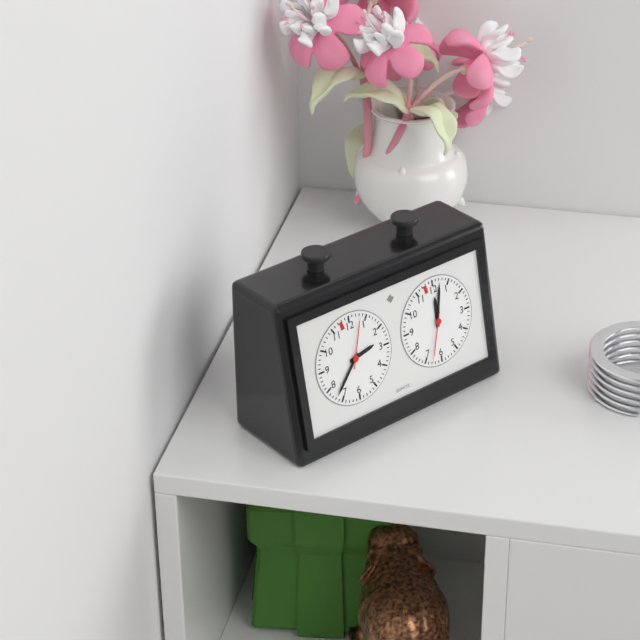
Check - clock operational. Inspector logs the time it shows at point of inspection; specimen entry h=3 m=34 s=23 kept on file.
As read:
h=2 m=37 s=3
